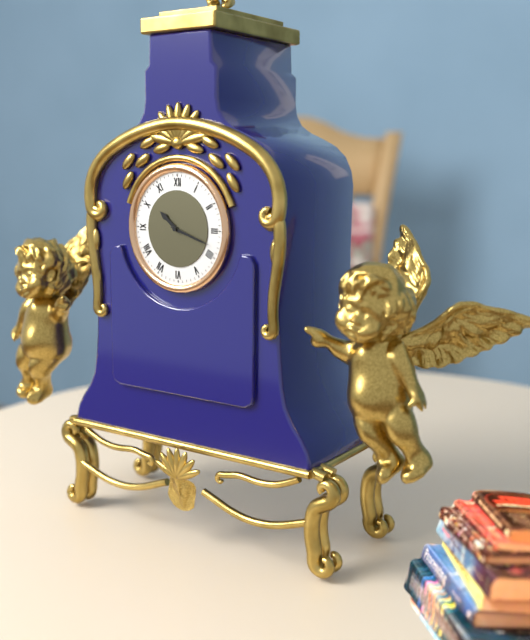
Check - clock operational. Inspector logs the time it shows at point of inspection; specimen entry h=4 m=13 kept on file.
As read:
h=10 m=18
